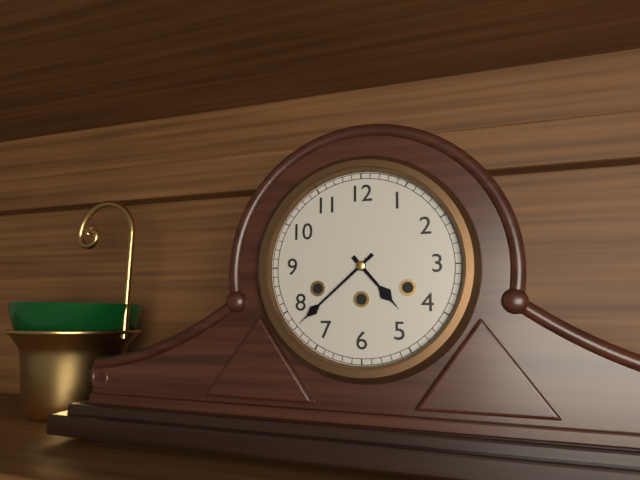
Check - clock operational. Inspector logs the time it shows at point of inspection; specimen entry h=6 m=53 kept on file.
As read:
h=4 m=38
